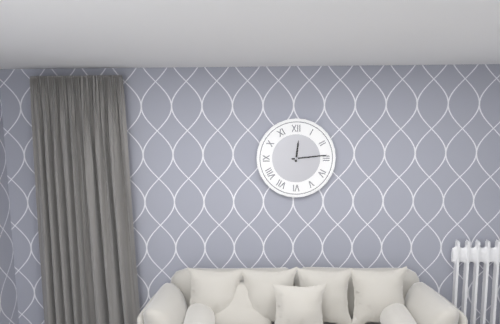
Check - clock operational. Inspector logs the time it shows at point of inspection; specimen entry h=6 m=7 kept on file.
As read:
h=12 m=14
